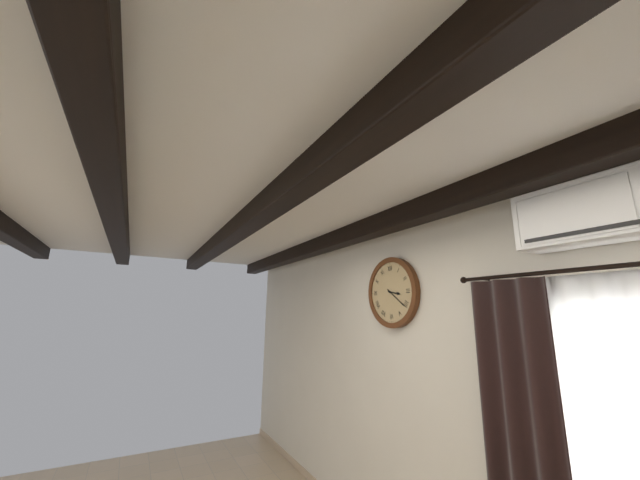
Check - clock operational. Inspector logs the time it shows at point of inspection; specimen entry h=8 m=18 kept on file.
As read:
h=3 m=21
